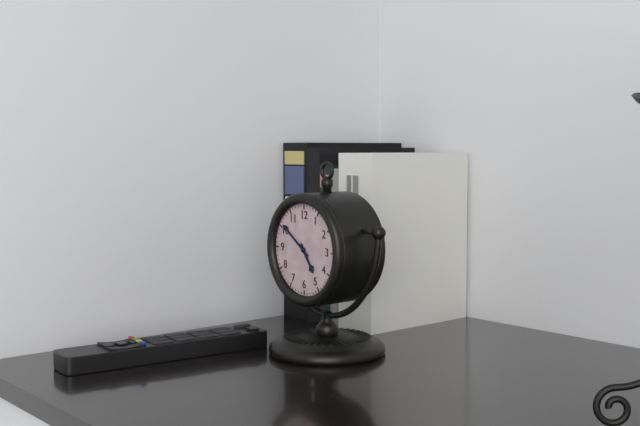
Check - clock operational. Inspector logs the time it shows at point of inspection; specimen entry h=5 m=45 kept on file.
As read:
h=4 m=51
